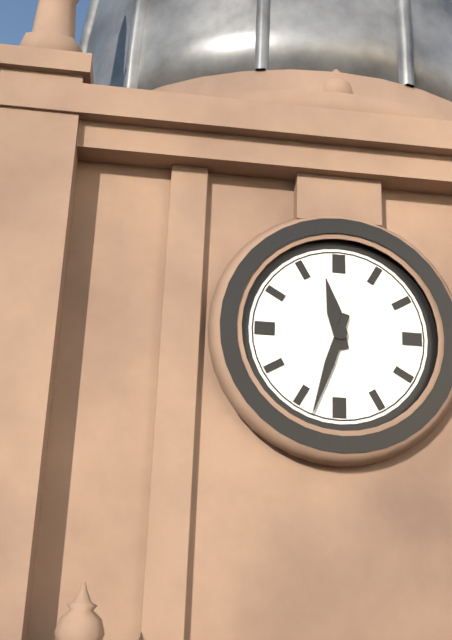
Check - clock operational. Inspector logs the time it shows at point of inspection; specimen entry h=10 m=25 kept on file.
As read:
h=11 m=33
